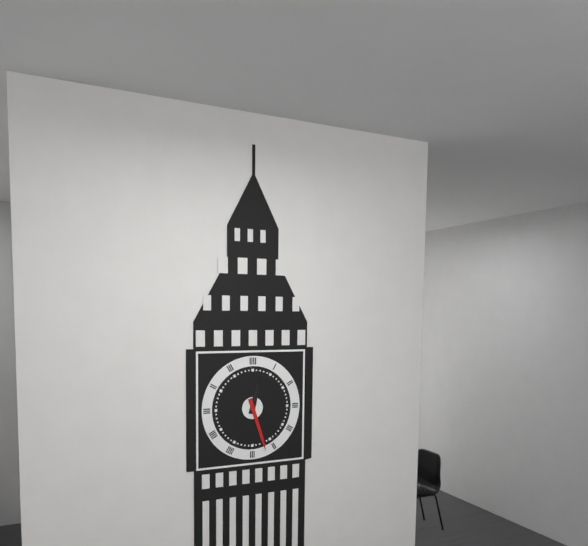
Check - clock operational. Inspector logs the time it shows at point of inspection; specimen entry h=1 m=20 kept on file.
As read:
h=12 m=27
